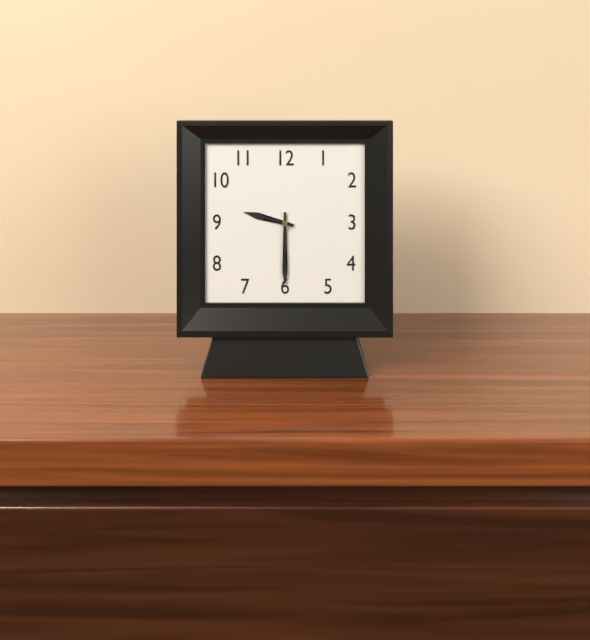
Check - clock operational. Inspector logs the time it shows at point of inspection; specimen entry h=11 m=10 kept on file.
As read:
h=9 m=30
